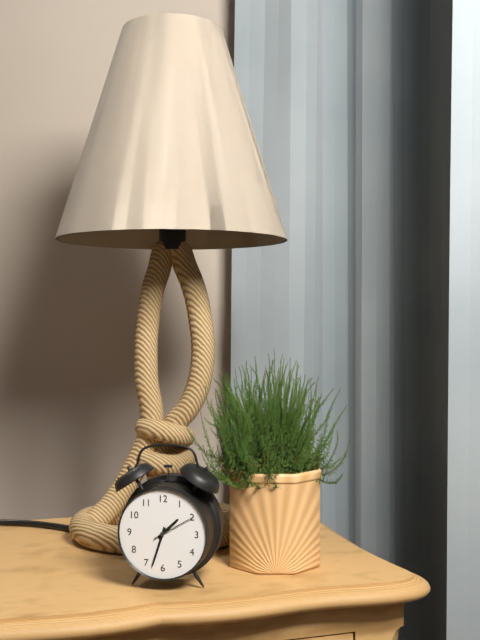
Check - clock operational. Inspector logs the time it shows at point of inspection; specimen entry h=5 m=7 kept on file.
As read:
h=1 m=33
